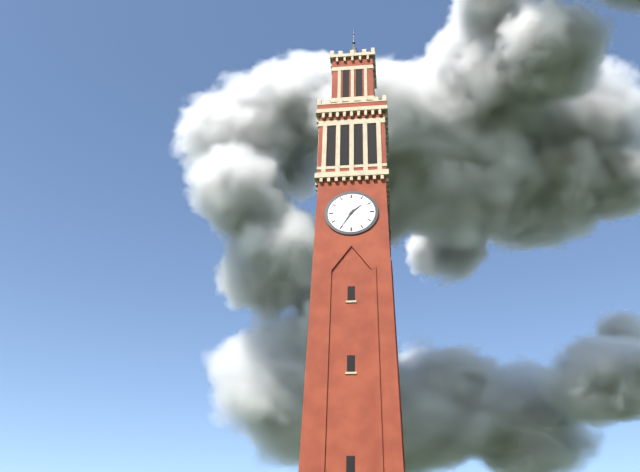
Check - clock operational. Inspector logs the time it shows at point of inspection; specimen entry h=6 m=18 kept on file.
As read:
h=1 m=35
